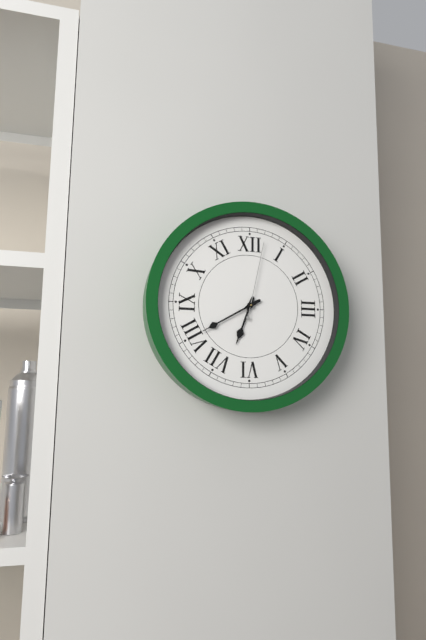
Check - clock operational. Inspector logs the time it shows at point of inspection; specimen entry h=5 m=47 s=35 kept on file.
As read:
h=6 m=40 s=2
